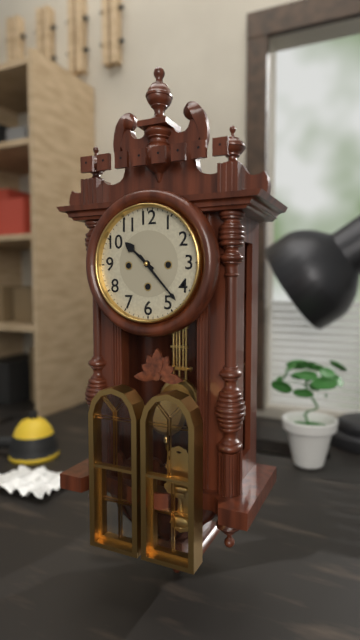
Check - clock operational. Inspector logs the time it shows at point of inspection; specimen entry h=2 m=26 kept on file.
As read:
h=10 m=23
